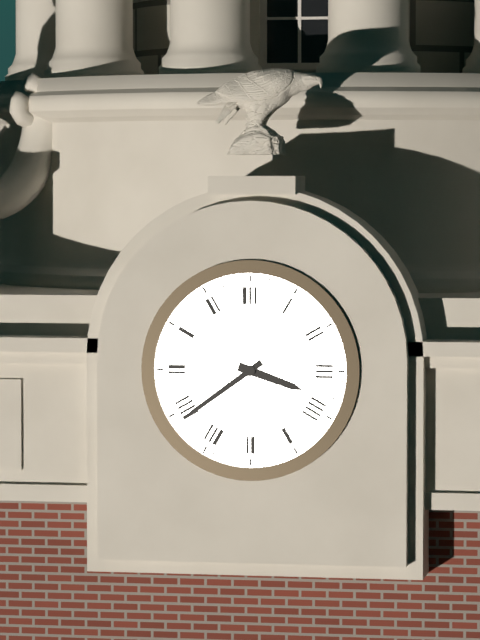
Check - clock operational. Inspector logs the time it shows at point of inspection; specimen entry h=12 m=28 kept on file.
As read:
h=3 m=39
